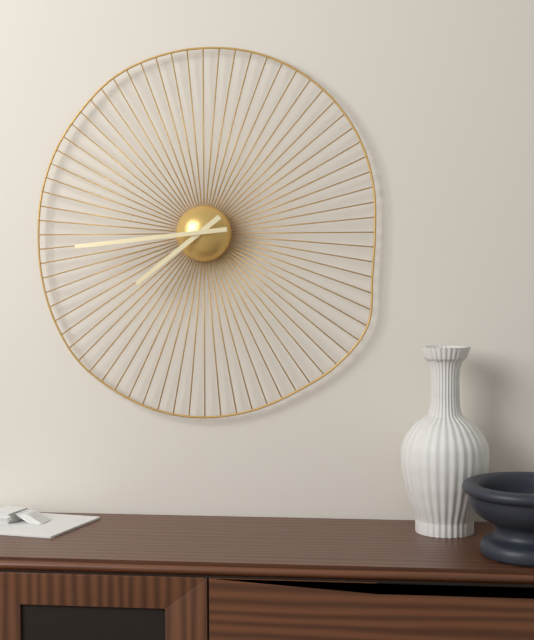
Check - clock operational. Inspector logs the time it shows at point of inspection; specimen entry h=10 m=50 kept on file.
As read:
h=7 m=44
